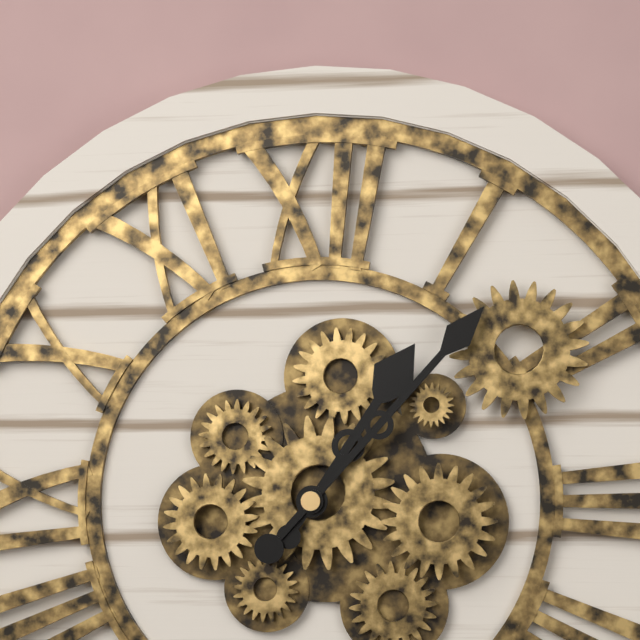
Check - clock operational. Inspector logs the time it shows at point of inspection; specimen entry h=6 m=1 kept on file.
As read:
h=1 m=7
